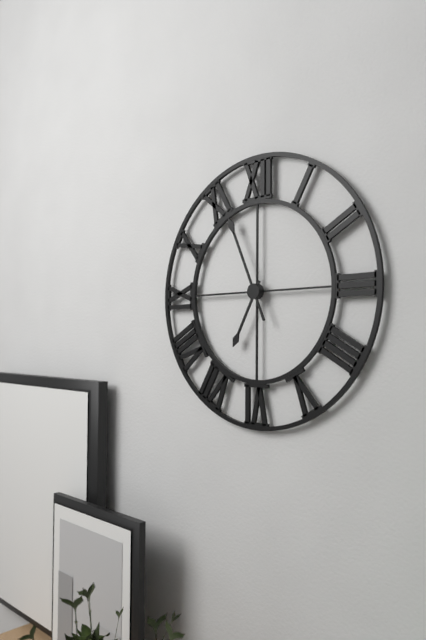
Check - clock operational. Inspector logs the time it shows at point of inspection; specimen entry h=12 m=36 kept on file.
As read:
h=6 m=56
